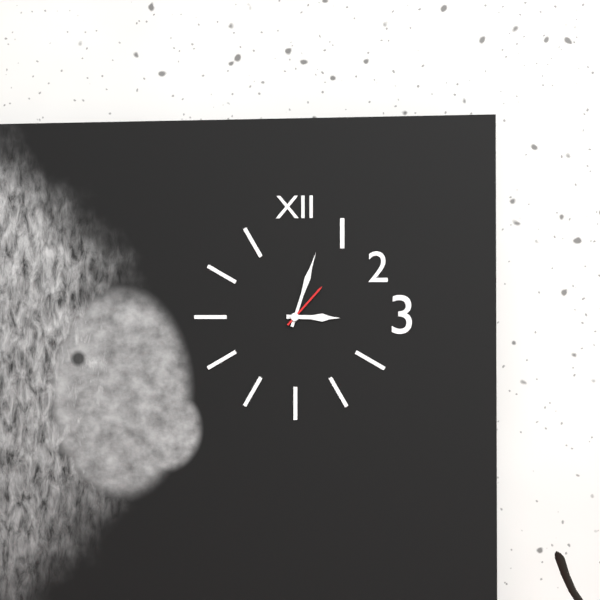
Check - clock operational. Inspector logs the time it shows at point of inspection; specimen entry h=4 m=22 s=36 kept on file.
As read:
h=3 m=3 s=7
